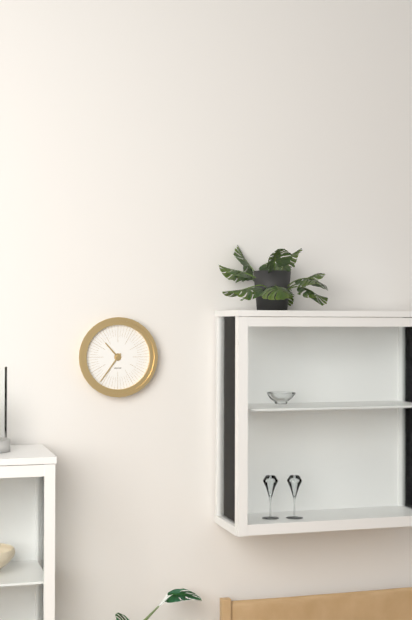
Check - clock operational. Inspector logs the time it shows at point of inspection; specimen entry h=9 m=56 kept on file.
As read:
h=10 m=36
